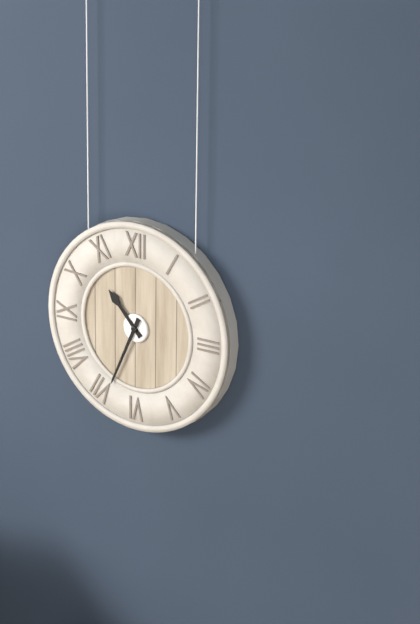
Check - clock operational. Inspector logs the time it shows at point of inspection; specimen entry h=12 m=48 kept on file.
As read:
h=10 m=34
